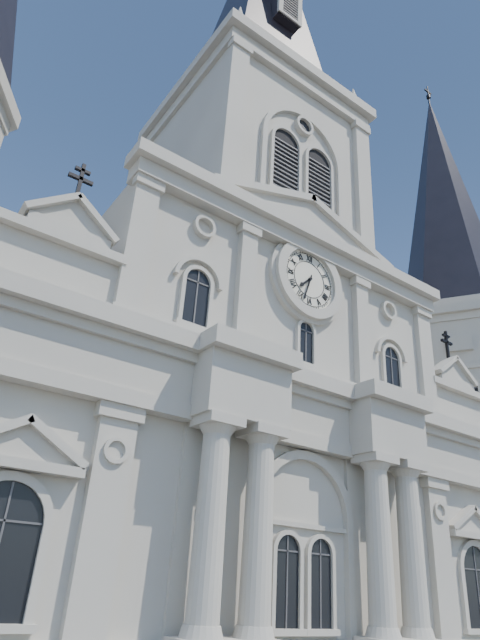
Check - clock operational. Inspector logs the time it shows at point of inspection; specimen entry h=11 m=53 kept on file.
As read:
h=7 m=33
